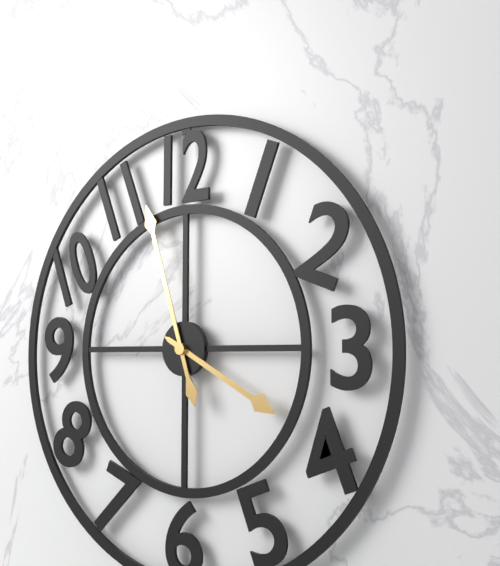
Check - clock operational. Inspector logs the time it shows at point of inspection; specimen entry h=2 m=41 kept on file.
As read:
h=3 m=57
